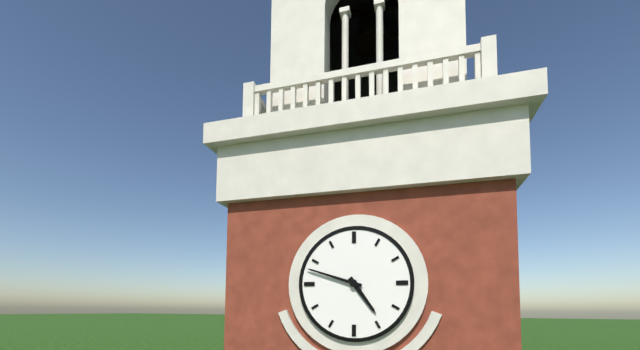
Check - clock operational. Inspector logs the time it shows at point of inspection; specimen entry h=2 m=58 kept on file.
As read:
h=4 m=48
